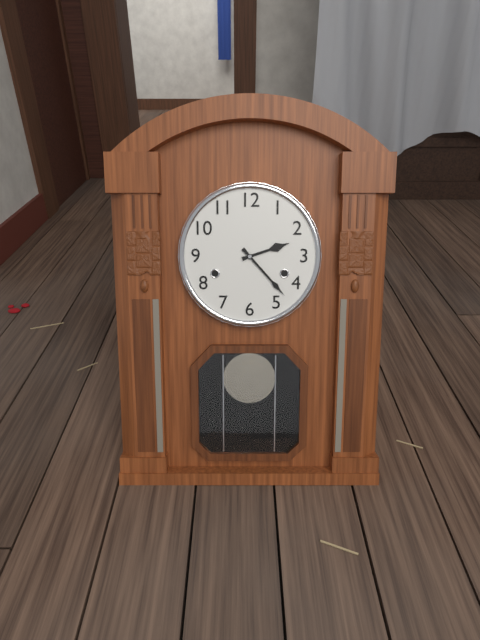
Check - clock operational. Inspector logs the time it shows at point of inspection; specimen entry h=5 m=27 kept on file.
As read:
h=2 m=23
